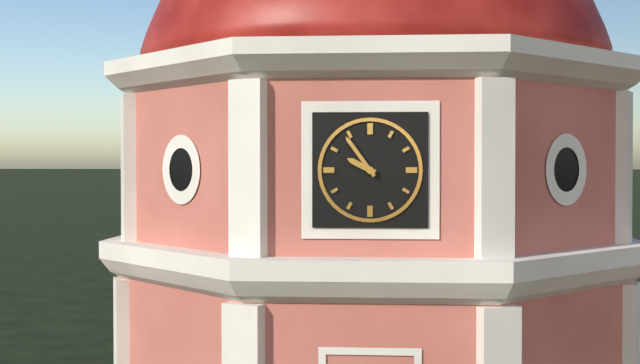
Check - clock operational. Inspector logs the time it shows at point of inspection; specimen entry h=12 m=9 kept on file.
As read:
h=9 m=54
